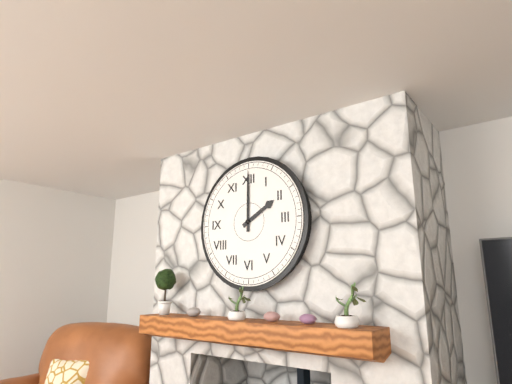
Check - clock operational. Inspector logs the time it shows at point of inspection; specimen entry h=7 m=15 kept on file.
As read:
h=2 m=0
